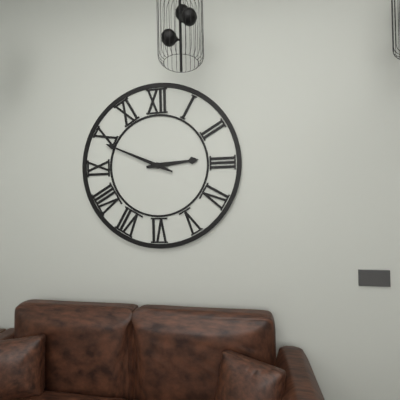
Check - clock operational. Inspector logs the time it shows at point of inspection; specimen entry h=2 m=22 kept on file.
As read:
h=2 m=49
